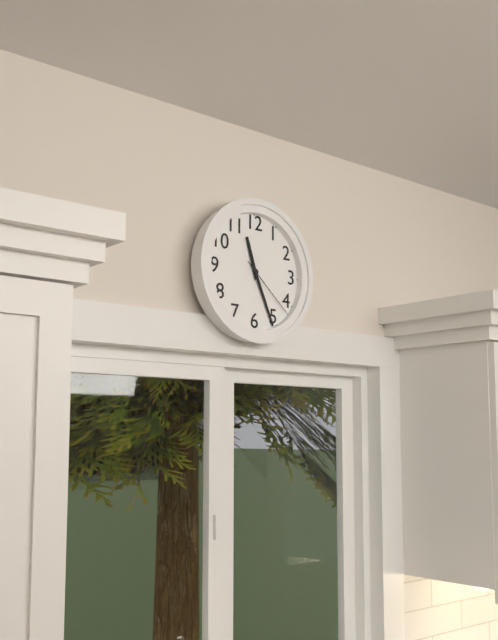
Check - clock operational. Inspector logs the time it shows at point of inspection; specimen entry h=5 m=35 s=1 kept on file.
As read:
h=11 m=26 s=22
